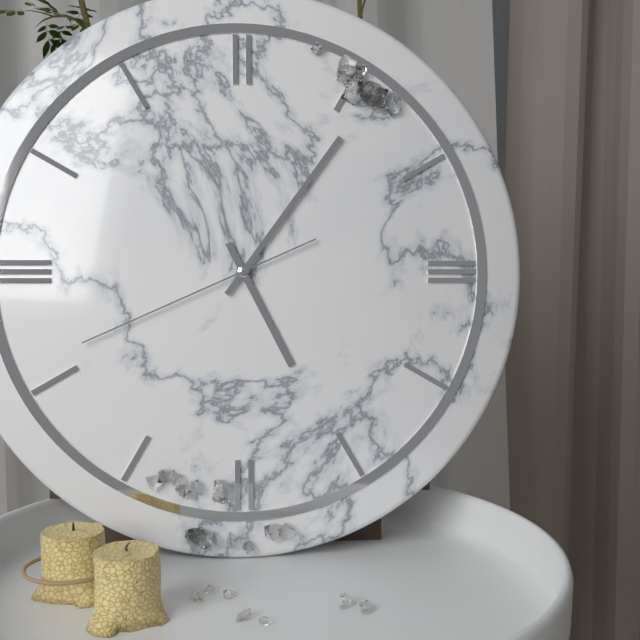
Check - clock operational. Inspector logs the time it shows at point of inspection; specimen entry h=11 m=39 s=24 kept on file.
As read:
h=5 m=6 s=41
